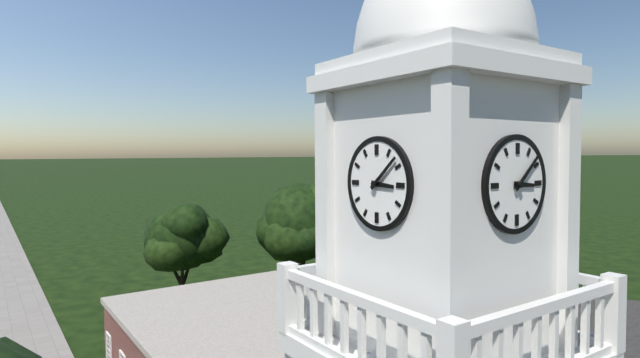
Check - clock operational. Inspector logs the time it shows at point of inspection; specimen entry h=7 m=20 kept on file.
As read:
h=3 m=8
